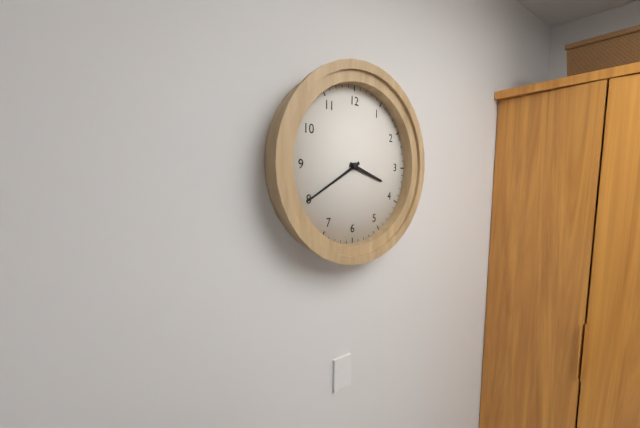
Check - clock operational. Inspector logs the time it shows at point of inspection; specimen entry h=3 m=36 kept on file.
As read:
h=3 m=40
